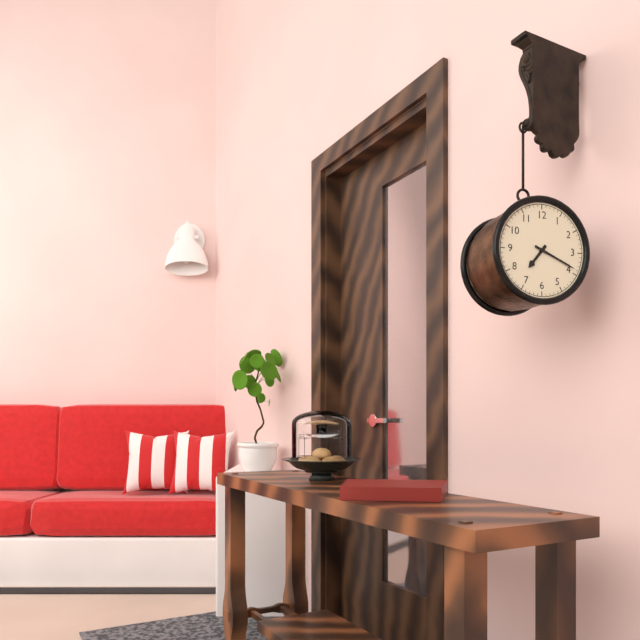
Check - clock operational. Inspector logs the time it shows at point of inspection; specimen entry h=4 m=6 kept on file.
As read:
h=7 m=19
